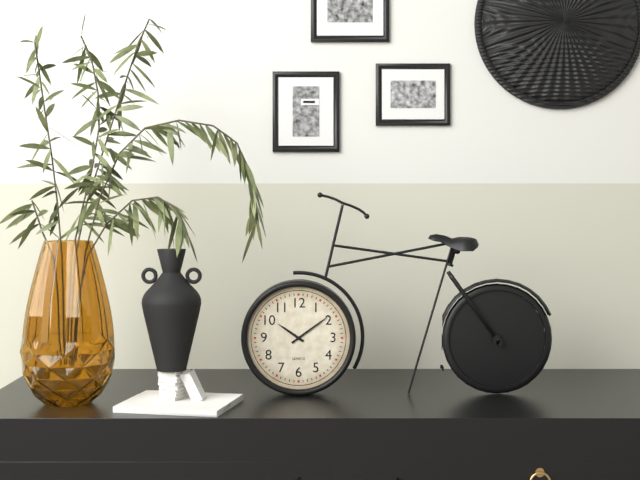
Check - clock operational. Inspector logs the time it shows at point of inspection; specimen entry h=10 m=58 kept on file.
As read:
h=10 m=9
